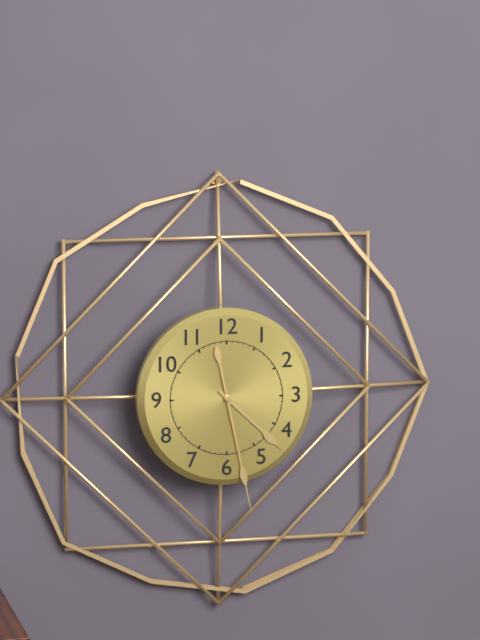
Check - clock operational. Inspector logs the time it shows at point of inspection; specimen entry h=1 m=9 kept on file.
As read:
h=4 m=28
